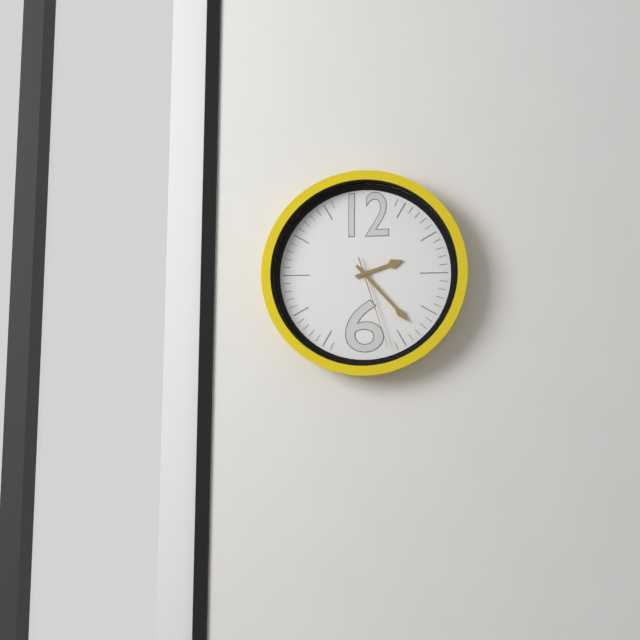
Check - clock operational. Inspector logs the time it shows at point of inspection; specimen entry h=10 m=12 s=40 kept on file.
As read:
h=2 m=23 s=27
